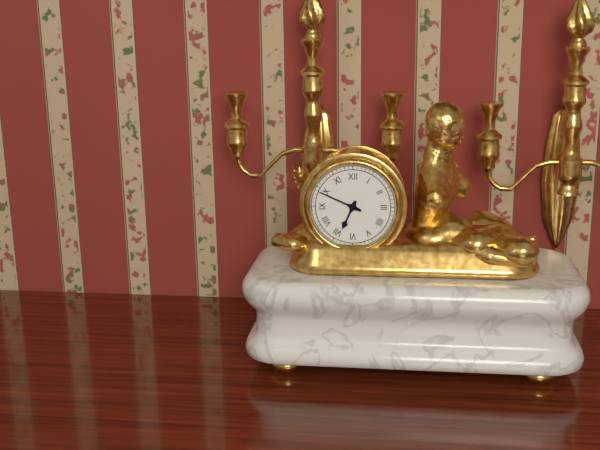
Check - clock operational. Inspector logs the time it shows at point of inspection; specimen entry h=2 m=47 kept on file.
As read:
h=6 m=49
